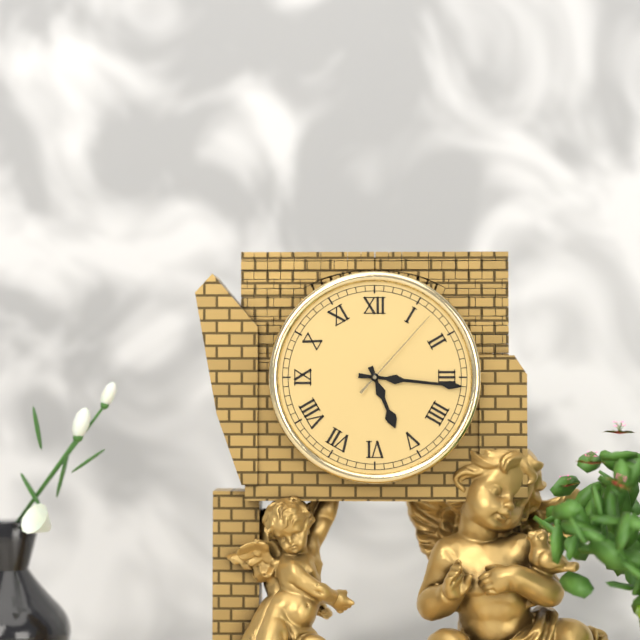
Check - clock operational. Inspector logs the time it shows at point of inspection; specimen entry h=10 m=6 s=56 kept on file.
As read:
h=5 m=16 s=7
